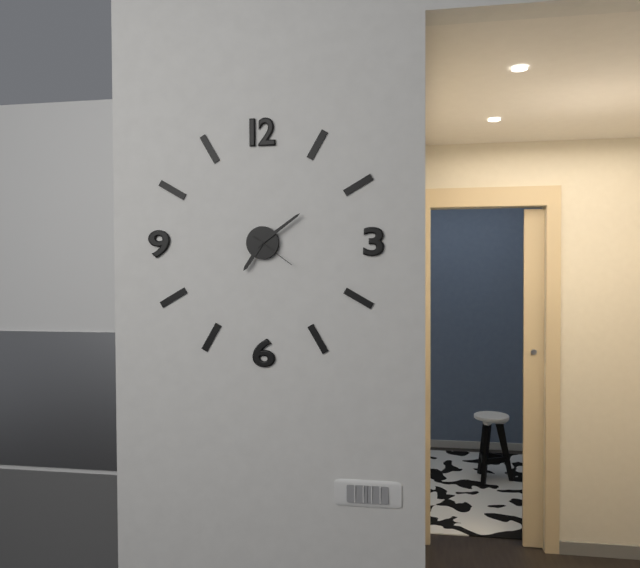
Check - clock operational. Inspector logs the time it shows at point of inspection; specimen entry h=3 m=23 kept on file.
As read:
h=7 m=9
